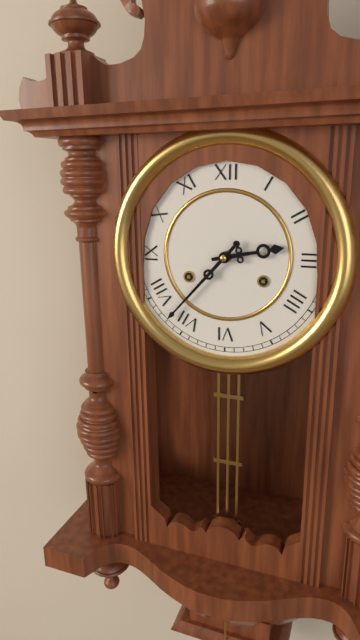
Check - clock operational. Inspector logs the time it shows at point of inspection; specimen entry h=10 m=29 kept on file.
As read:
h=2 m=37
